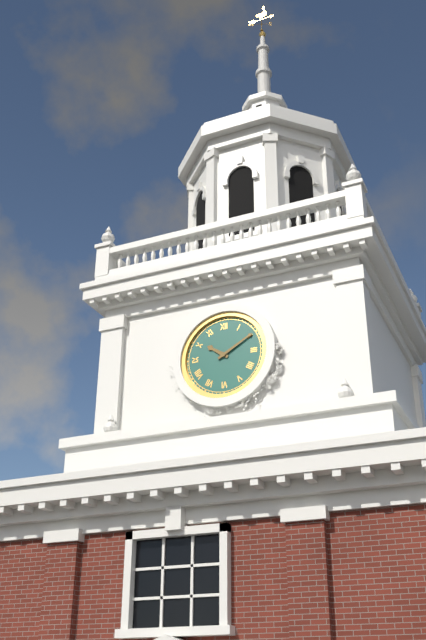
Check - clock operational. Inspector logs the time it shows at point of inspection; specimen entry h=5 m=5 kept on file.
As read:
h=10 m=10
